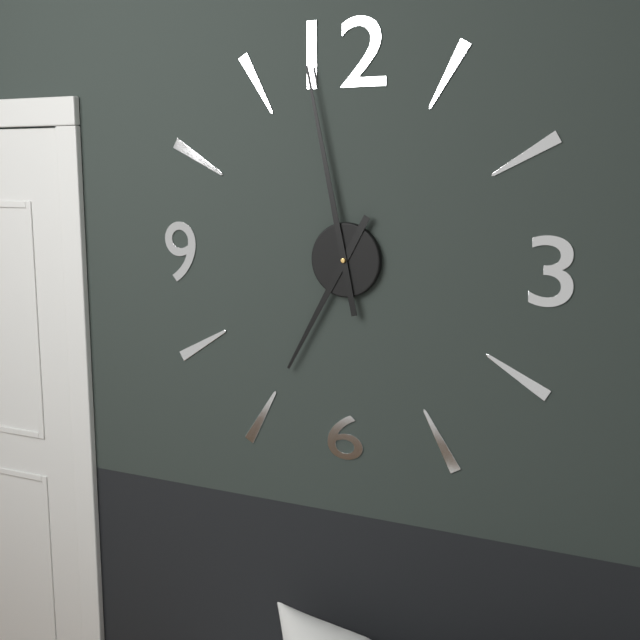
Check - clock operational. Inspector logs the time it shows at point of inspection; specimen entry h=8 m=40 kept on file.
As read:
h=6 m=58
